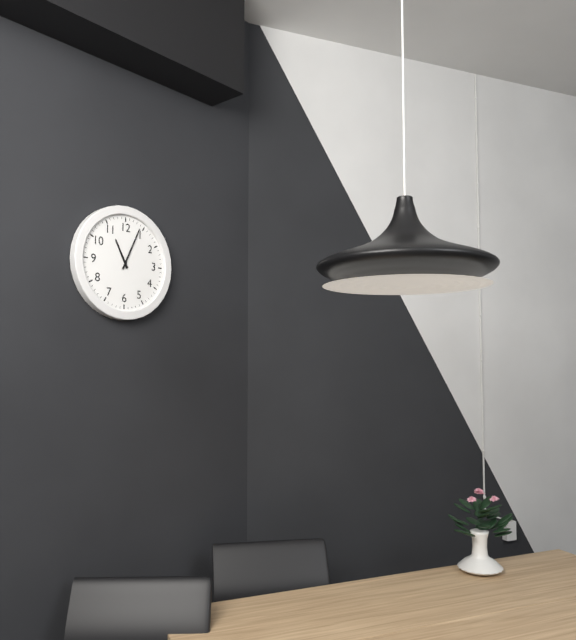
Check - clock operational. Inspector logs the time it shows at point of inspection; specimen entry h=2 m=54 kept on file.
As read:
h=11 m=4
